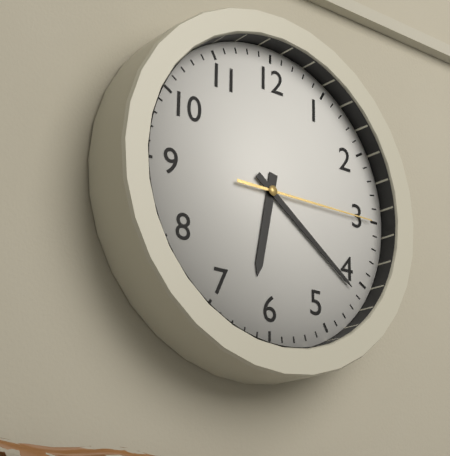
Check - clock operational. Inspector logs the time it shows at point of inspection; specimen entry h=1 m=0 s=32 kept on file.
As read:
h=6 m=21 s=15
